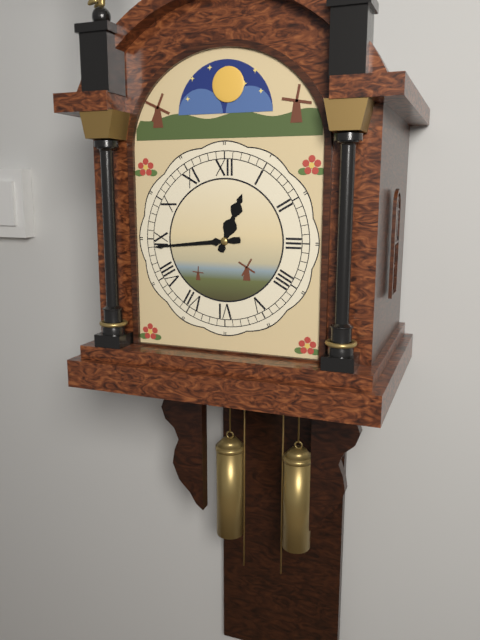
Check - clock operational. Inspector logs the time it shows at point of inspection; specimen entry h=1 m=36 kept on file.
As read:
h=12 m=44
